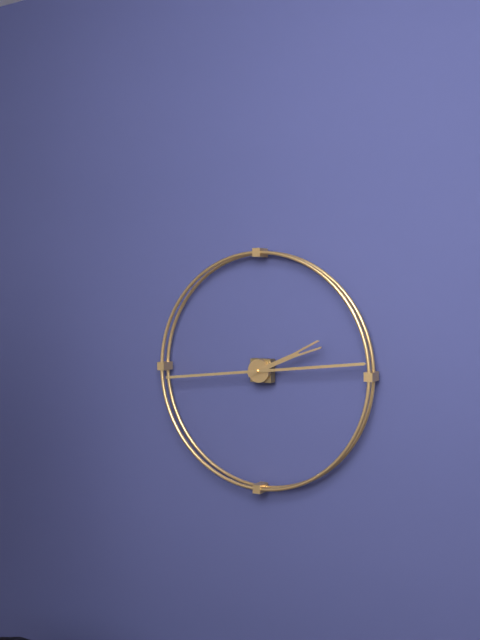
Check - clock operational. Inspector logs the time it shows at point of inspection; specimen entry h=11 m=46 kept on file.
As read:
h=2 m=14
